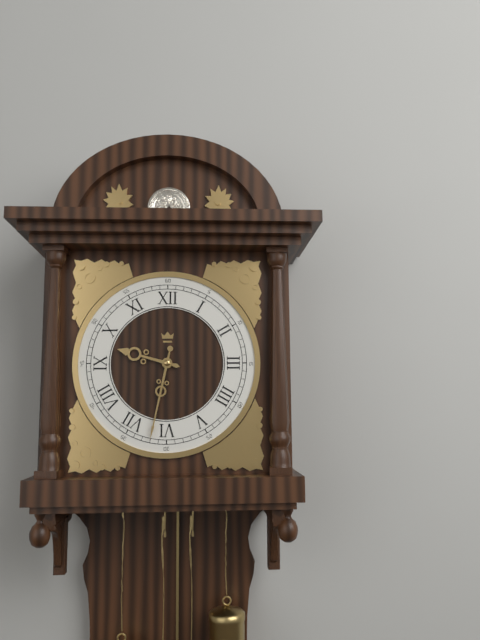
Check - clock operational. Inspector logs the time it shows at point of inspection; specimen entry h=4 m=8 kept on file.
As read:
h=9 m=32
